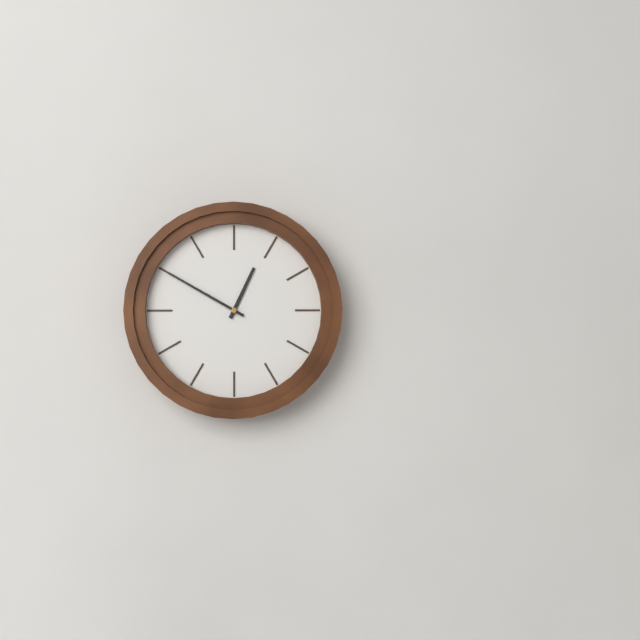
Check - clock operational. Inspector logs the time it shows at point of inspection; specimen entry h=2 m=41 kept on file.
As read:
h=12 m=50
